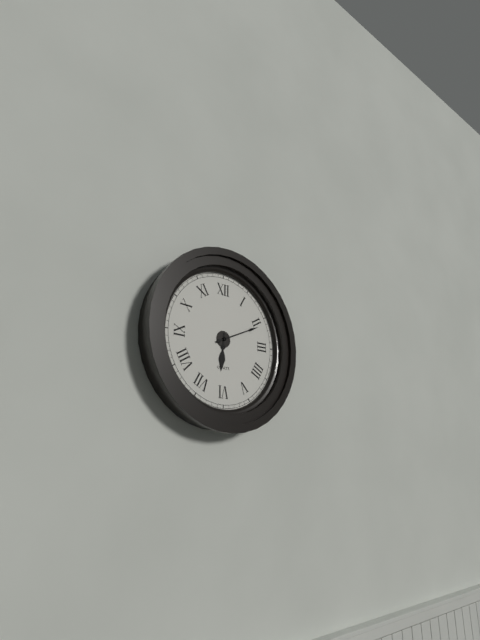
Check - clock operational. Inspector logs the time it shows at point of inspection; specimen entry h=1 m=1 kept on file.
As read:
h=6 m=11
